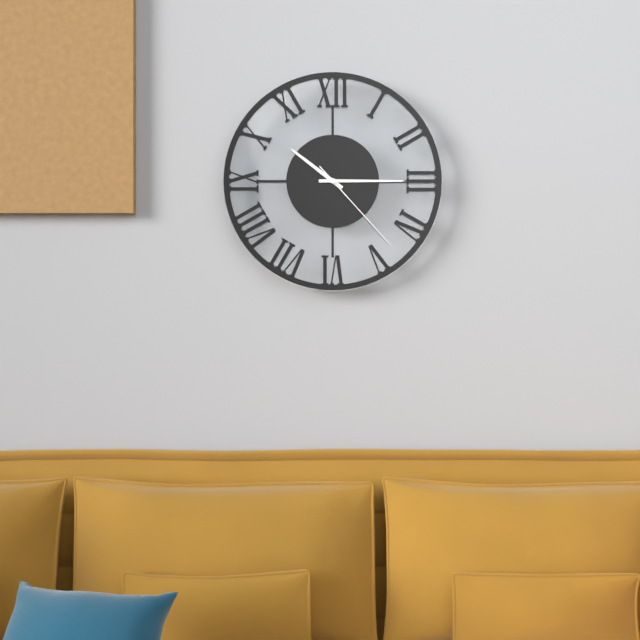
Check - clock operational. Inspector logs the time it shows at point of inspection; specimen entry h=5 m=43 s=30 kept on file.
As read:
h=10 m=15 s=23
